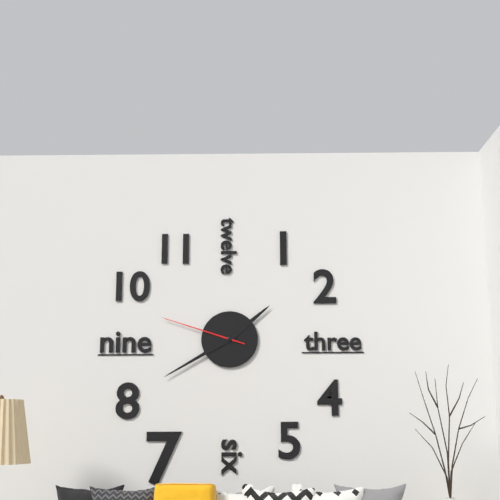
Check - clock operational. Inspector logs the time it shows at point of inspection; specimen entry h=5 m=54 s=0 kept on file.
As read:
h=1 m=40 s=48
